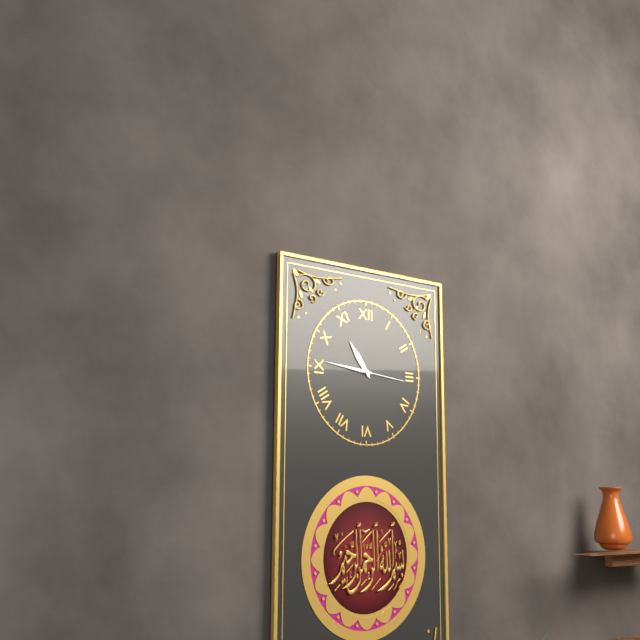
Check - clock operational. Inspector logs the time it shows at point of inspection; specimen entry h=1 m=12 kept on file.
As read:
h=10 m=46
